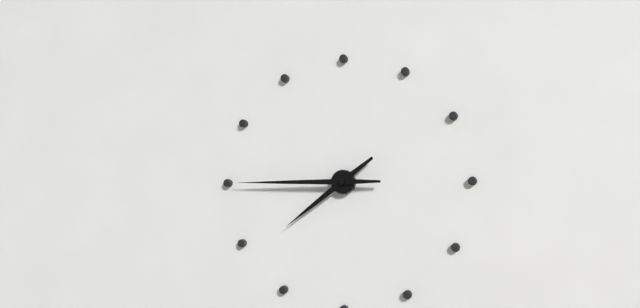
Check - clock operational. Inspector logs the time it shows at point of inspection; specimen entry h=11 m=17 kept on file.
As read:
h=7 m=45
